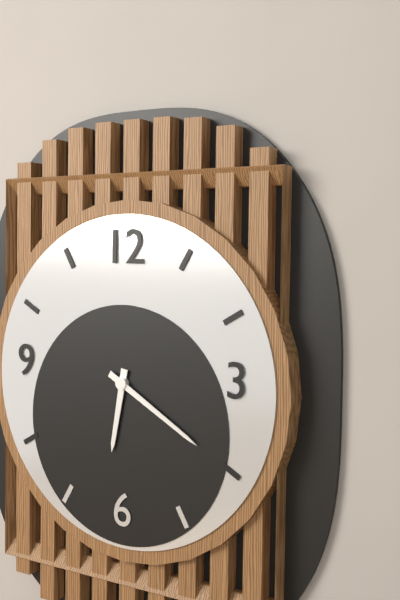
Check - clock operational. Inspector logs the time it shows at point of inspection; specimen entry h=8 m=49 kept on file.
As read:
h=6 m=20
